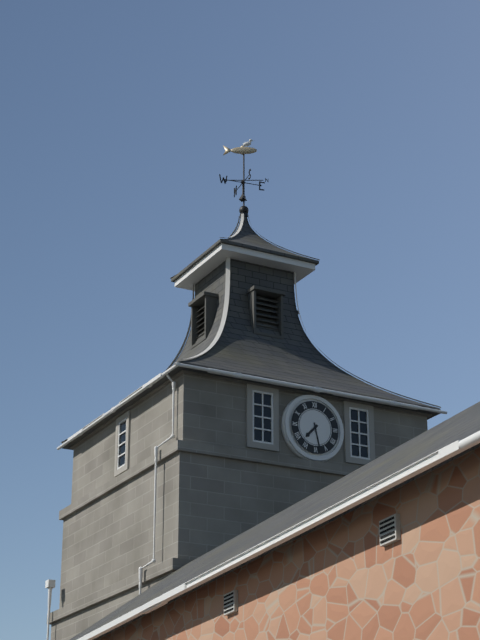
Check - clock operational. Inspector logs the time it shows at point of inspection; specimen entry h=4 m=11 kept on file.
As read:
h=7 m=28
